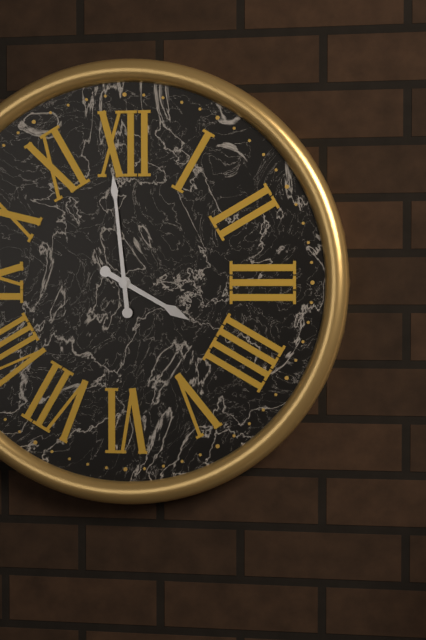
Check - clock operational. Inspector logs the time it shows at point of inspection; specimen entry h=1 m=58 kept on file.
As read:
h=3 m=59
